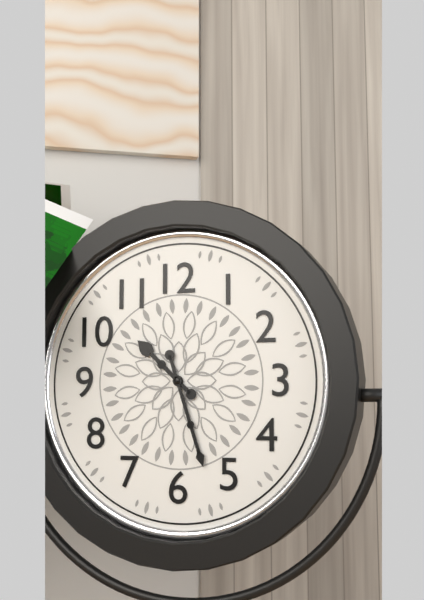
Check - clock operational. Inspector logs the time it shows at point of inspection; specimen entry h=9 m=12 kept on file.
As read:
h=10 m=27
